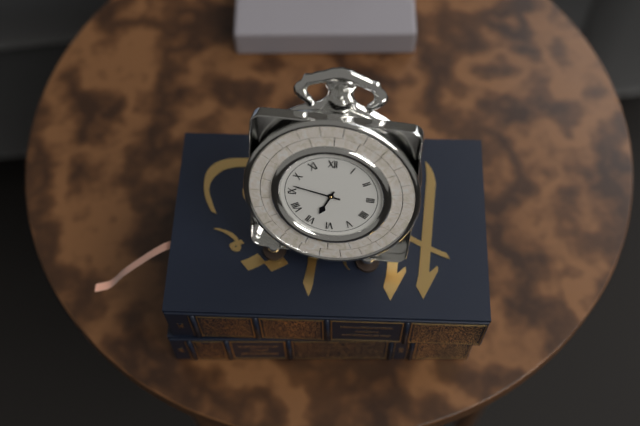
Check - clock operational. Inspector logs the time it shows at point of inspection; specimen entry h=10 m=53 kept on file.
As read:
h=6 m=47
